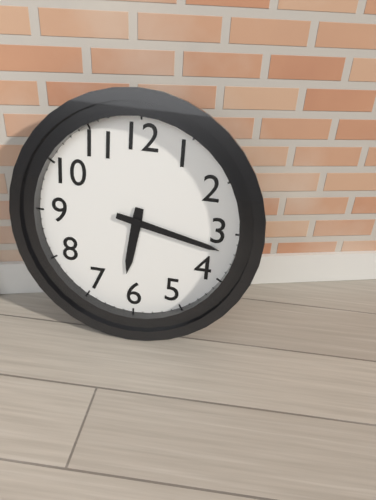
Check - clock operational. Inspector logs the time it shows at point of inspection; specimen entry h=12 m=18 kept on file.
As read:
h=6 m=17
